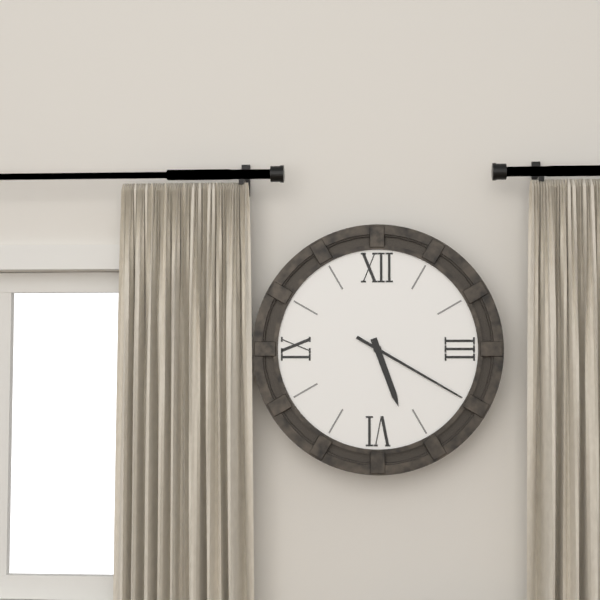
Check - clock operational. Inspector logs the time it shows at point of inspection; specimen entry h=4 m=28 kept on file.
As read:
h=5 m=20
